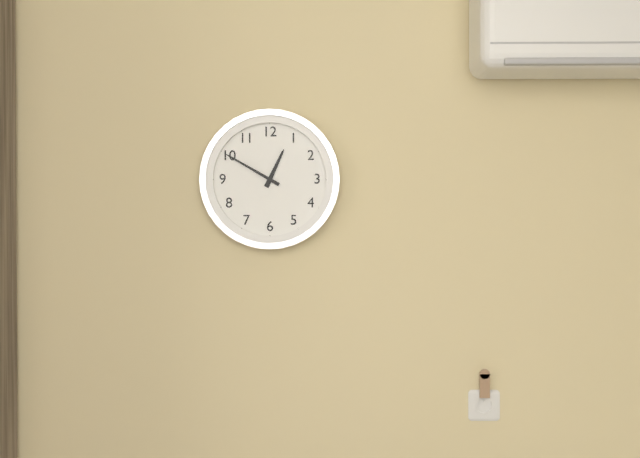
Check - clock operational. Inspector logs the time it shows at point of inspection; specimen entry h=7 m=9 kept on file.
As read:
h=12 m=50
